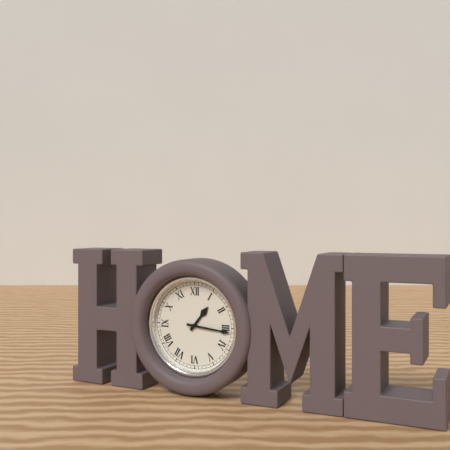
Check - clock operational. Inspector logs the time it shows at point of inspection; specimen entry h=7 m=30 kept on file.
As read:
h=1 m=16
